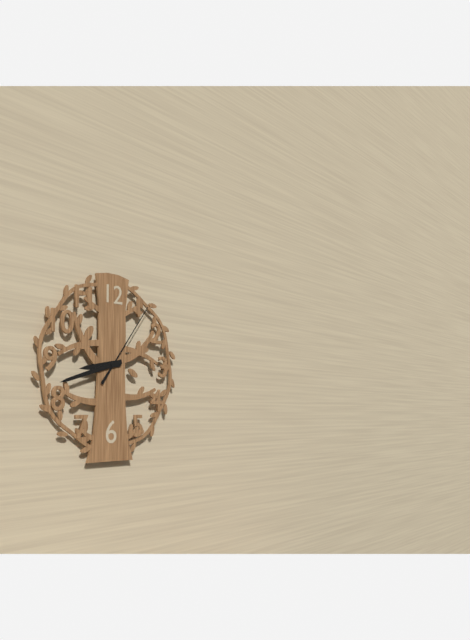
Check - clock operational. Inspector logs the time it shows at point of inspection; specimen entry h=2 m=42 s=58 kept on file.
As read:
h=8 m=42 s=6
